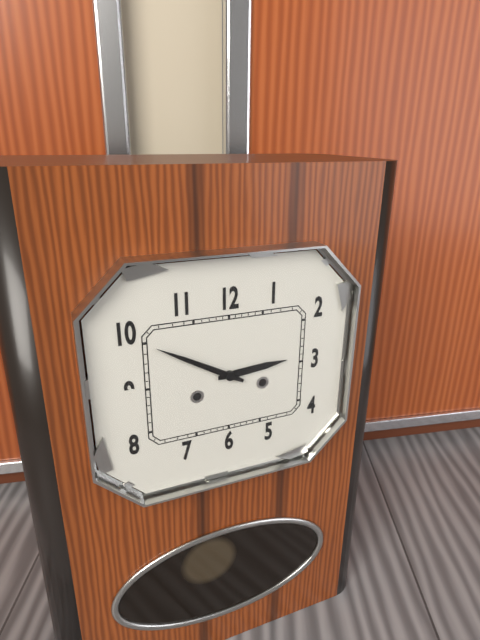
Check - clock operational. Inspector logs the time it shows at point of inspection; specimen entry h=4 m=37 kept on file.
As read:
h=2 m=50
